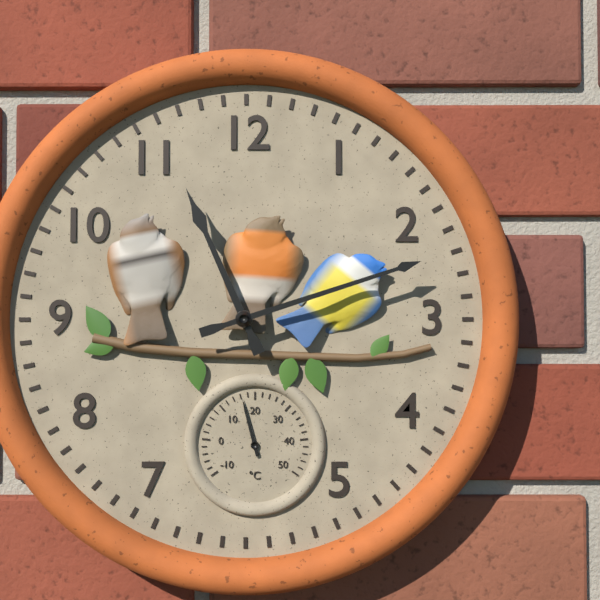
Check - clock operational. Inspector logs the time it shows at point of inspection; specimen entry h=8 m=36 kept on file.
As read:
h=11 m=12
